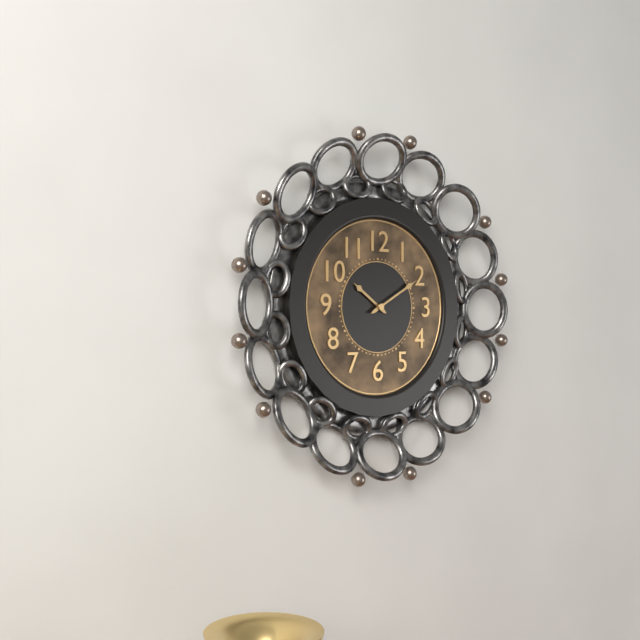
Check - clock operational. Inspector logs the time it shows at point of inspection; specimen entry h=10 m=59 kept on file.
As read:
h=10 m=10
